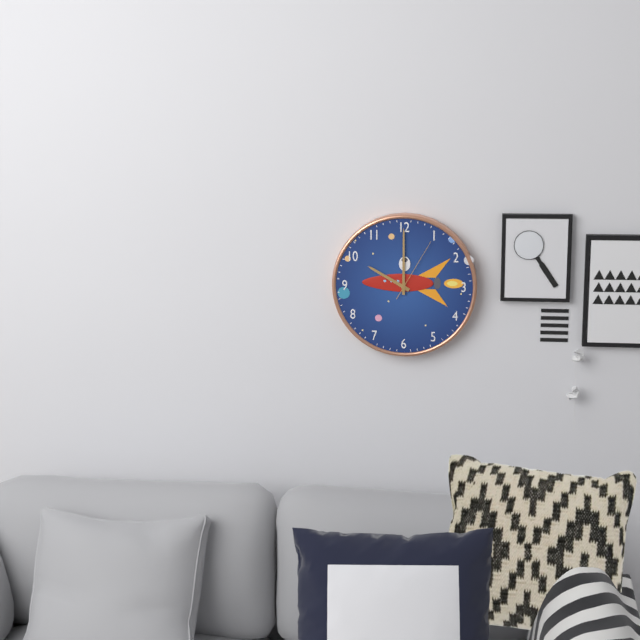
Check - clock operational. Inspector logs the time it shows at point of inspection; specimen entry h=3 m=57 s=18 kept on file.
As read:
h=10 m=0 s=5
